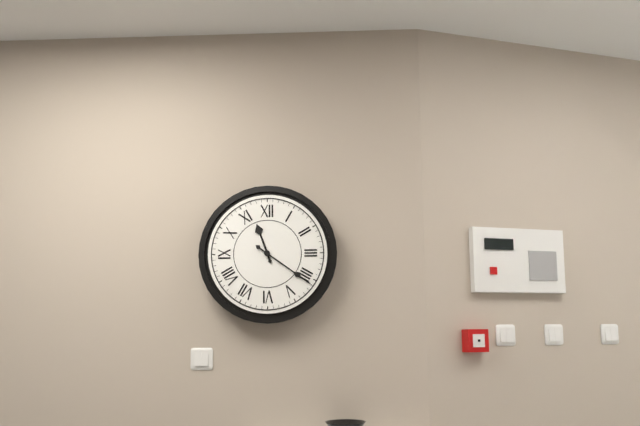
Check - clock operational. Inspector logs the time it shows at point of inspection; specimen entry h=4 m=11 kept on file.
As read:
h=11 m=21
